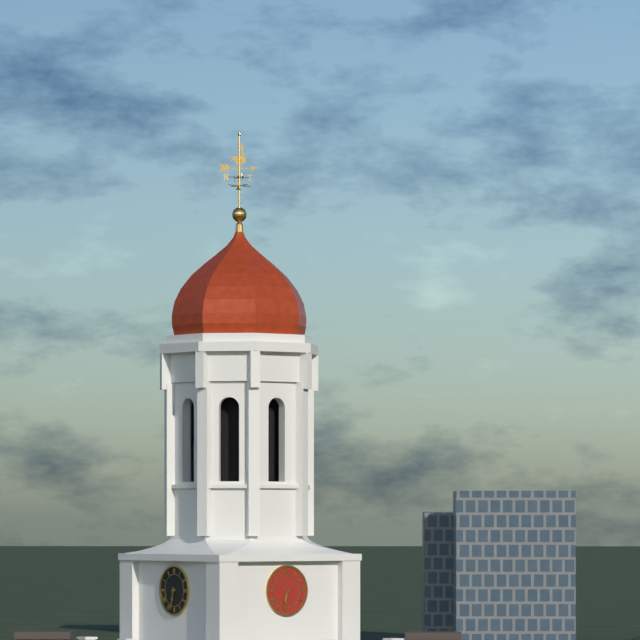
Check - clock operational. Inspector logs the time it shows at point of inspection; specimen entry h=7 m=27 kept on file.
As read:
h=6 m=32
